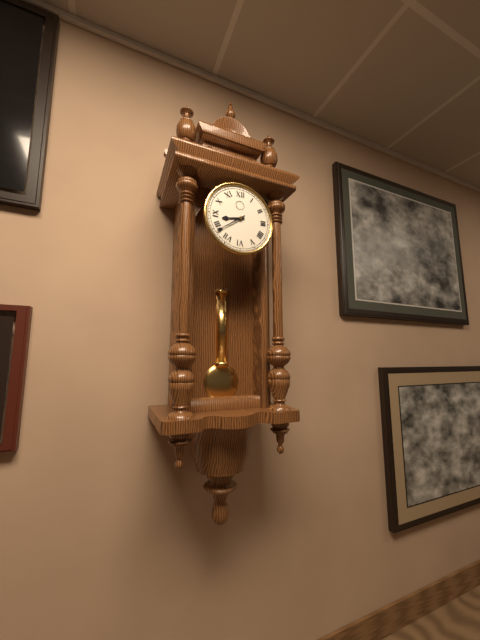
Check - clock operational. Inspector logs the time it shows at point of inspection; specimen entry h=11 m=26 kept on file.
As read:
h=8 m=39
